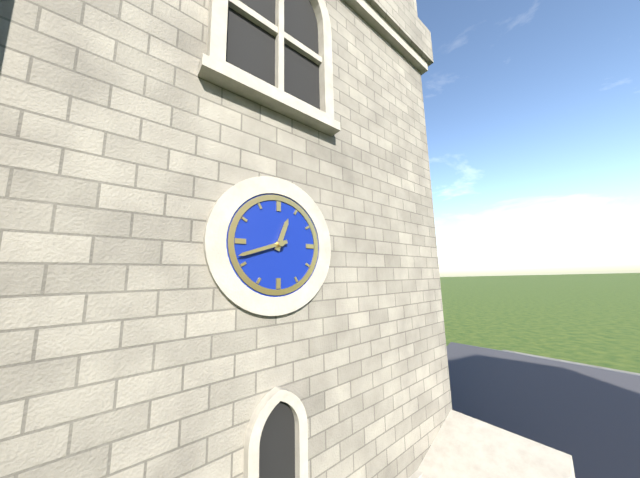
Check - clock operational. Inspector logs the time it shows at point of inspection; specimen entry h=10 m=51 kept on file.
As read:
h=12 m=42
